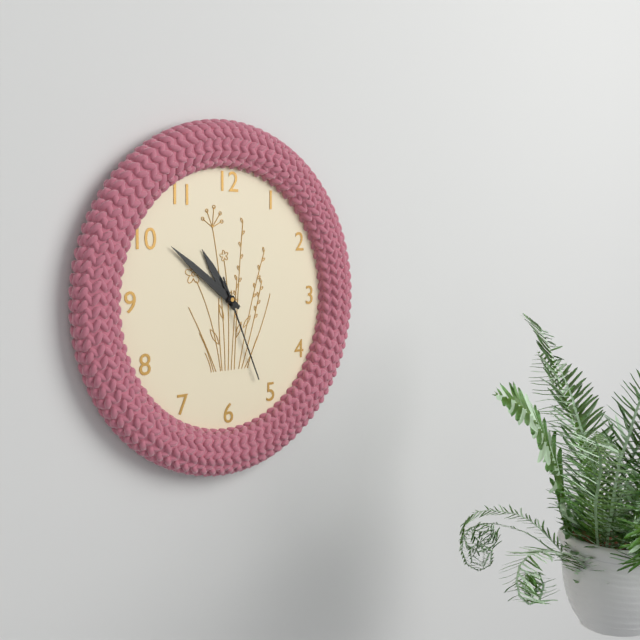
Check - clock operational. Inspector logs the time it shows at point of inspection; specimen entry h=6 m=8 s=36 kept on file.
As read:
h=10 m=51 s=26
